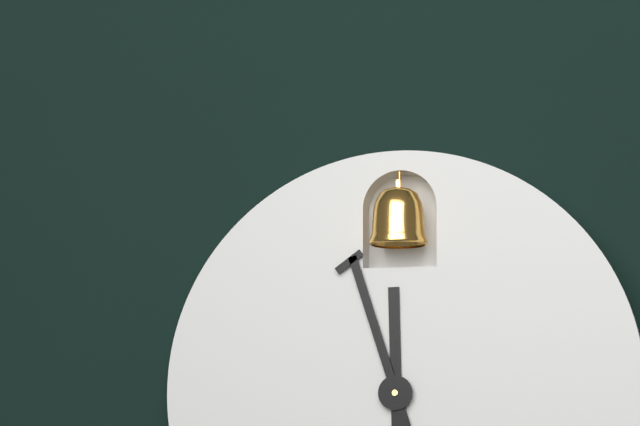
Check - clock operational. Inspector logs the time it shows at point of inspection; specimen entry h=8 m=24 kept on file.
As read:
h=11 m=57
